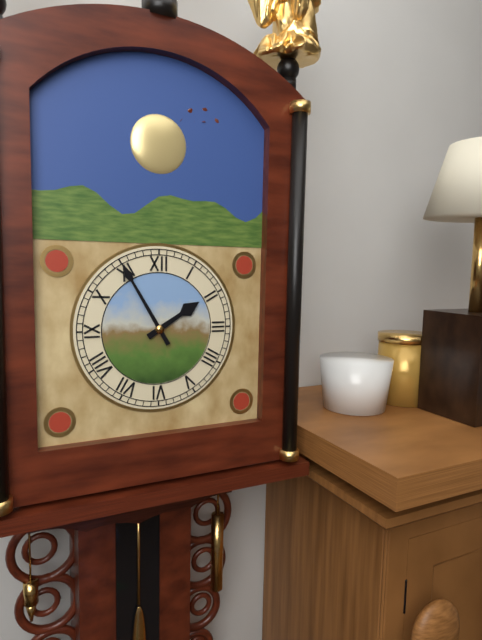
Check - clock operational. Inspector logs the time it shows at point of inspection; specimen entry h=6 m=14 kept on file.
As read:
h=1 m=55
